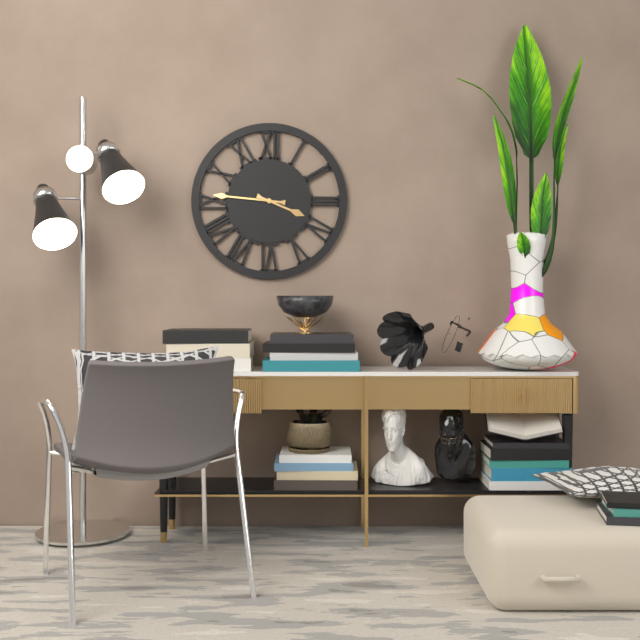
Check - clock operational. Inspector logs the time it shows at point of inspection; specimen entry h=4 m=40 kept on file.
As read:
h=3 m=46
